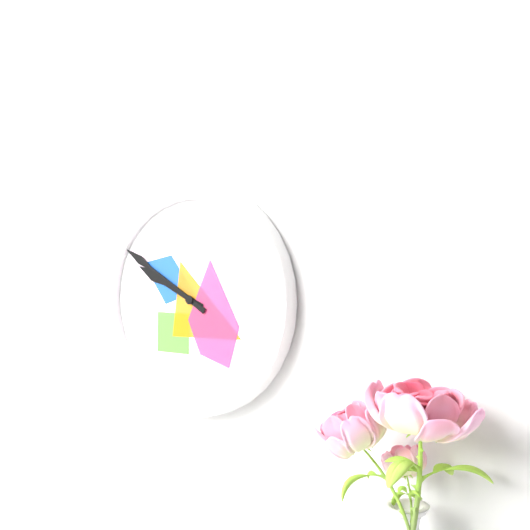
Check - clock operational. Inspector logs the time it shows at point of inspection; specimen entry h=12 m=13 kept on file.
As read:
h=9 m=50
